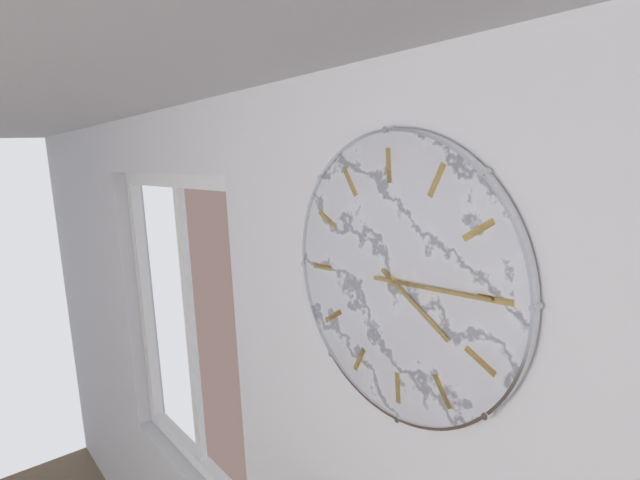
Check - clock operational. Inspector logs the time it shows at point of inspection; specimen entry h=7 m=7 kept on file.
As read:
h=3 m=10
